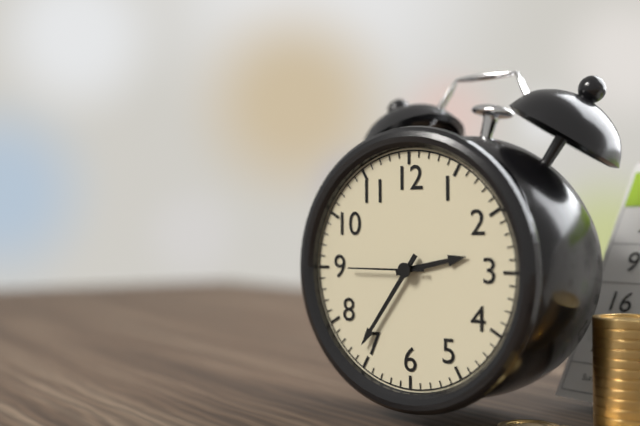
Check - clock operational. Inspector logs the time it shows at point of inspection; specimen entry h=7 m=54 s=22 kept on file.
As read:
h=2 m=36 s=45
